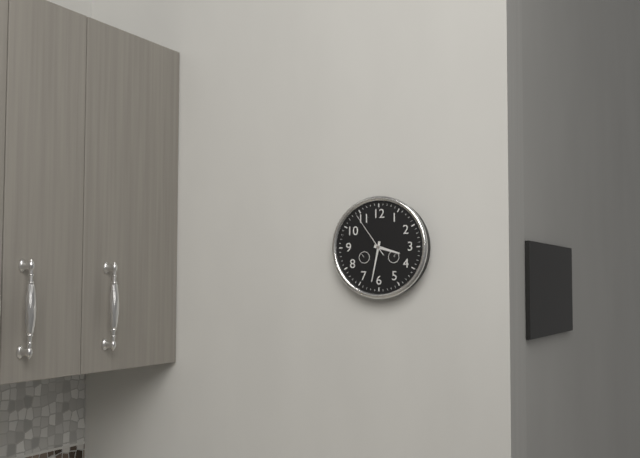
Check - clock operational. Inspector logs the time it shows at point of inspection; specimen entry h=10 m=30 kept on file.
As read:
h=3 m=32
